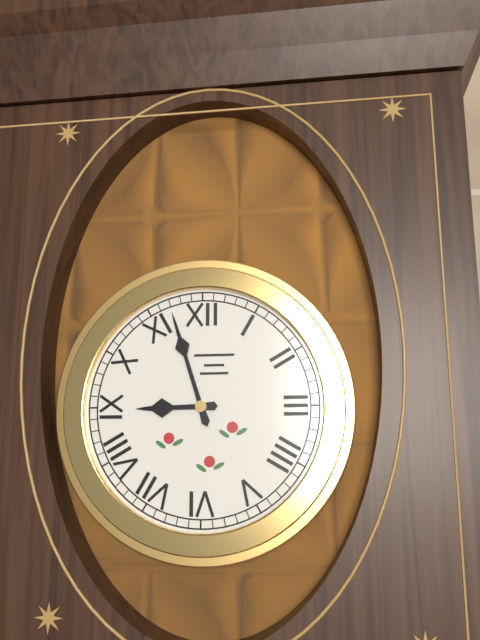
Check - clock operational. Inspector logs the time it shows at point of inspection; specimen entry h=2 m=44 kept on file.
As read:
h=8 m=57
